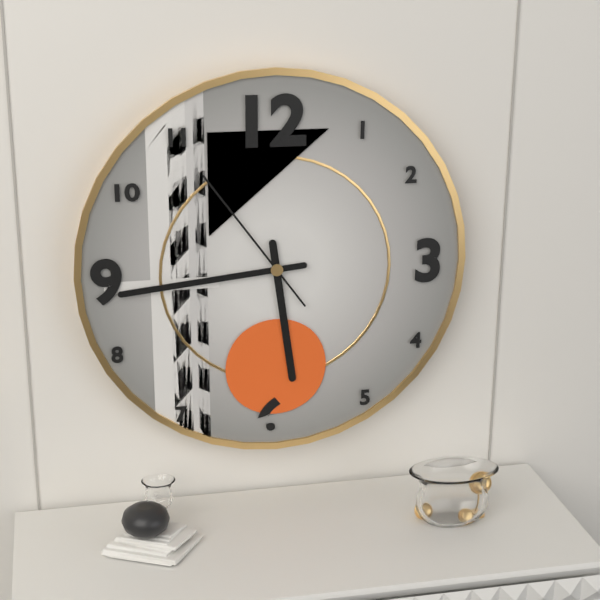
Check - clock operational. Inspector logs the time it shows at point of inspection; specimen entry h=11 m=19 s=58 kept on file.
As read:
h=5 m=44 s=54
